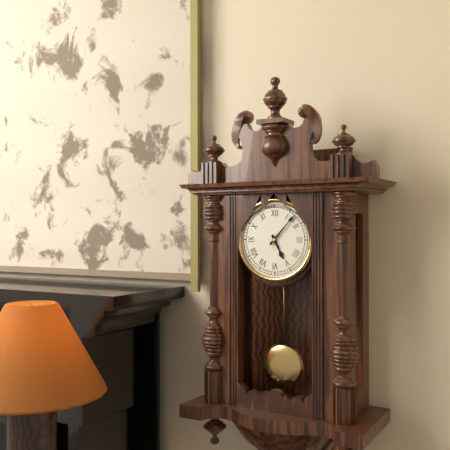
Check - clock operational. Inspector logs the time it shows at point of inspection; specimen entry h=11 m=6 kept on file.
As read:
h=5 m=7
